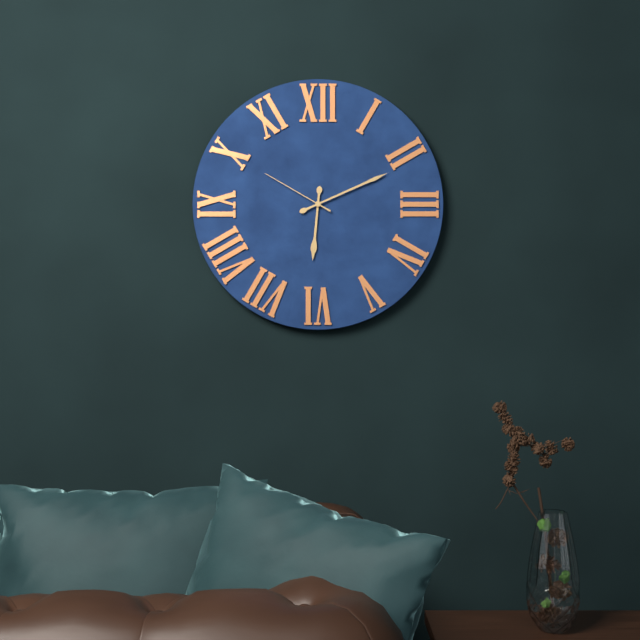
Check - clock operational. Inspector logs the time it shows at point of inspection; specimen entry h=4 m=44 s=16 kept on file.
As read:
h=6 m=11 s=50
